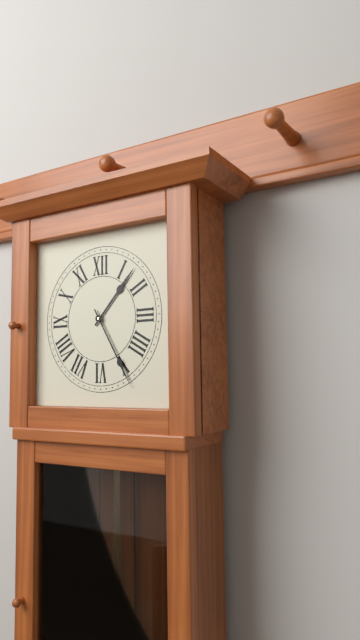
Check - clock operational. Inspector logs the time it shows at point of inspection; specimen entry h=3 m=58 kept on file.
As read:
h=1 m=25
